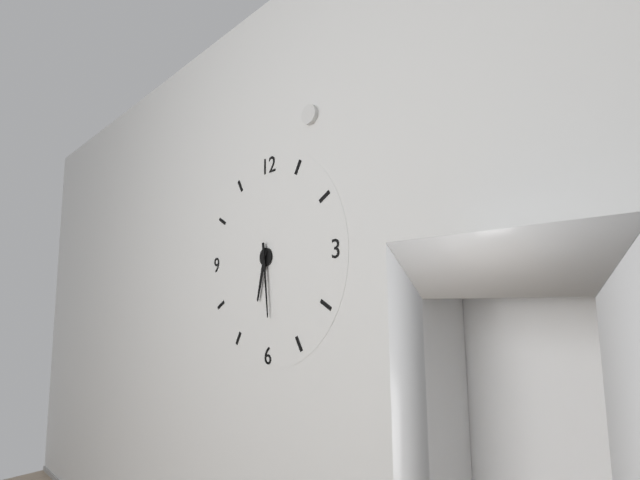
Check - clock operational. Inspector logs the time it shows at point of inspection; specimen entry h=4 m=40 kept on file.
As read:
h=6 m=29
